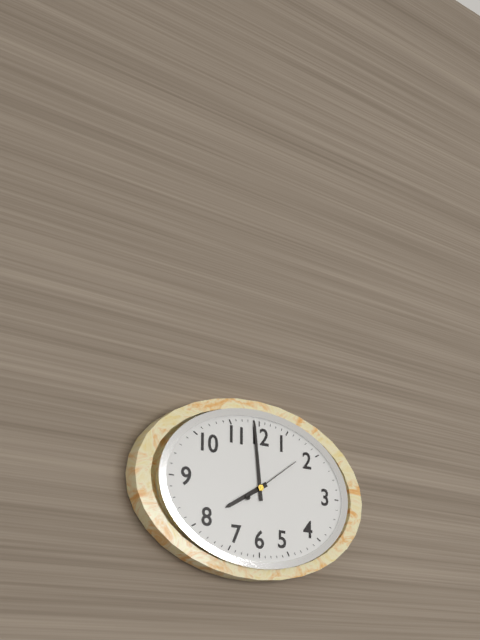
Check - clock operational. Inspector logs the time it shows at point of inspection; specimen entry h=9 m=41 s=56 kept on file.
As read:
h=7 m=59 s=9
